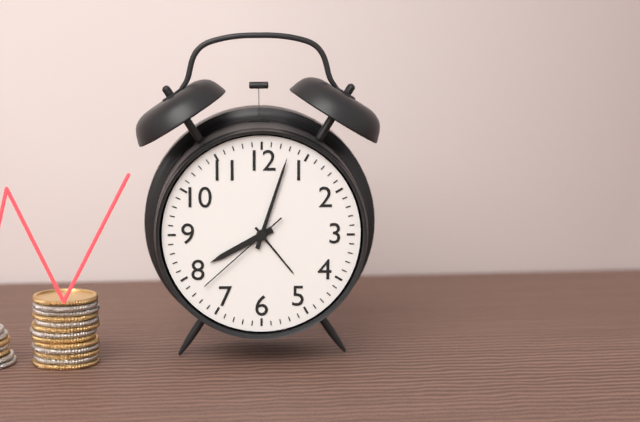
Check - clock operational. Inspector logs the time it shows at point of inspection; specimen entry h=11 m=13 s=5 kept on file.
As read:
h=8 m=3 s=38
